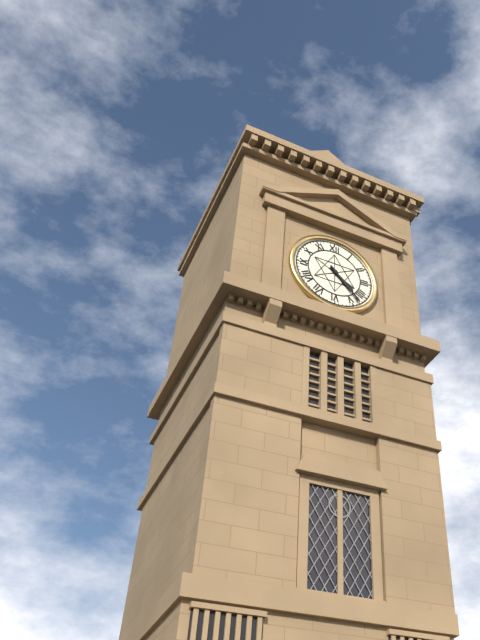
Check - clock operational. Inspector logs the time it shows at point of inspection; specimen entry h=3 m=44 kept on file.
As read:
h=4 m=23
